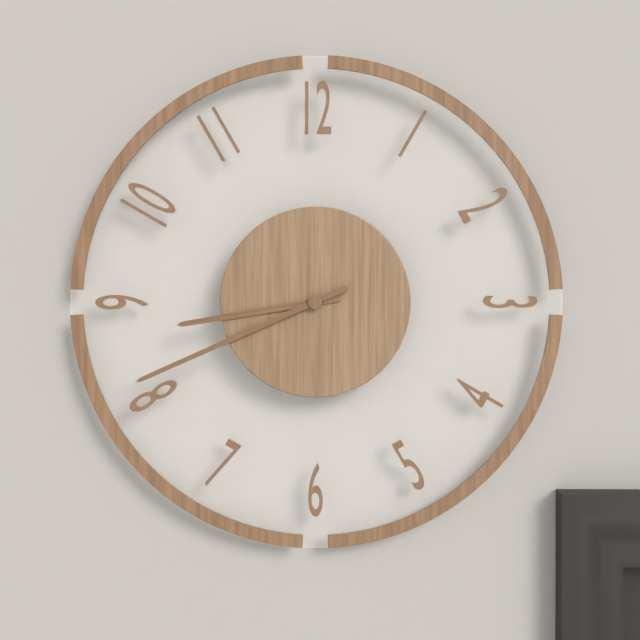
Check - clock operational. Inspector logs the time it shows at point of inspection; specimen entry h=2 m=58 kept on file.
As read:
h=8 m=41
